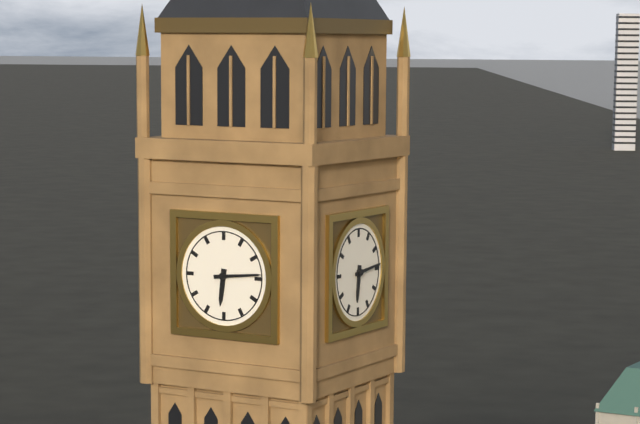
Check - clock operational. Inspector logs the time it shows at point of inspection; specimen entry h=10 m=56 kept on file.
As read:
h=6 m=14
